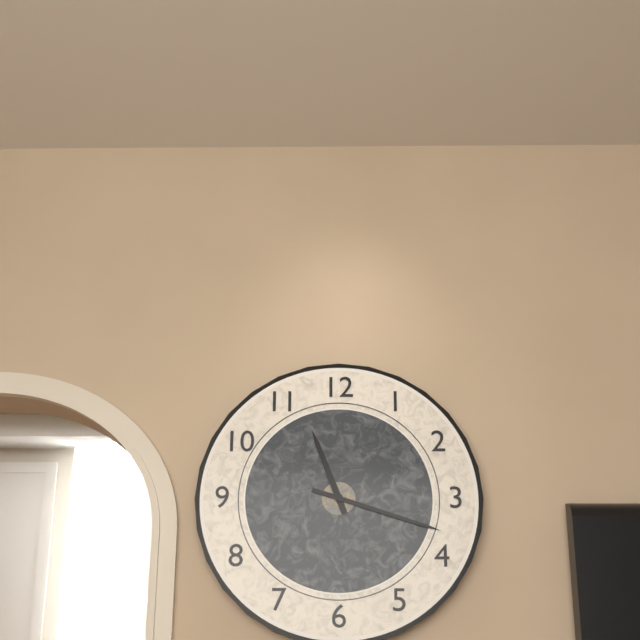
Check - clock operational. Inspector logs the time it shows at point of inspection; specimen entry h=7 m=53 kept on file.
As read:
h=11 m=18
